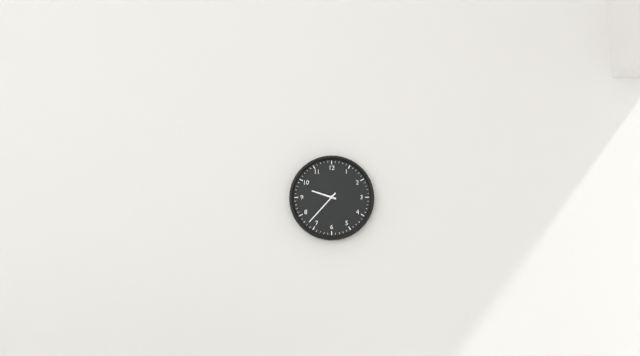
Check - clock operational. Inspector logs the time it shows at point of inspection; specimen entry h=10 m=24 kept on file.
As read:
h=9 m=37
